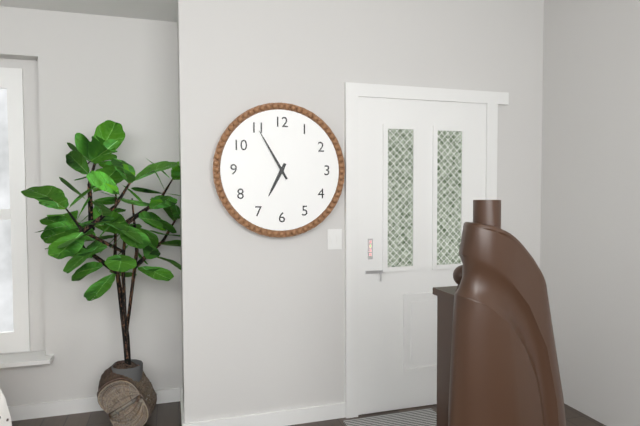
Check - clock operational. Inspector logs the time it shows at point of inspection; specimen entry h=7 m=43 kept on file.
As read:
h=6 m=55
